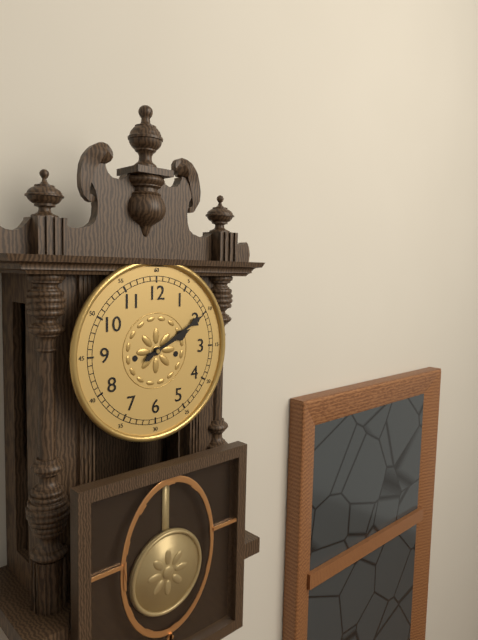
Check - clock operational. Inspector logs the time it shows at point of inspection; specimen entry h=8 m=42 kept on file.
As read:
h=2 m=10
